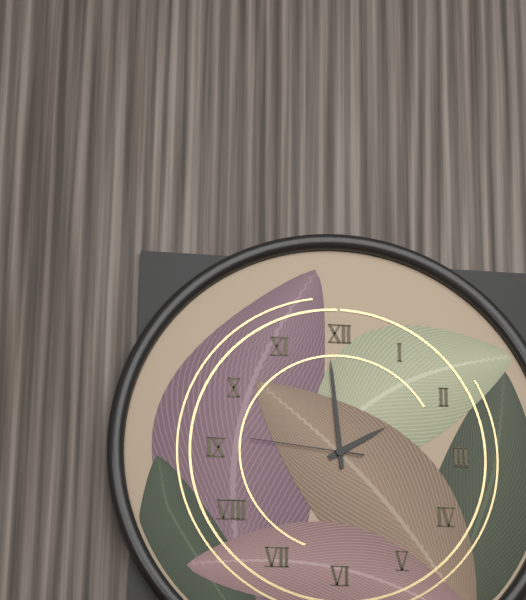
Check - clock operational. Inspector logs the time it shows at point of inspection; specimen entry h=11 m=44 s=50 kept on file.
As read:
h=1 m=59 s=46
